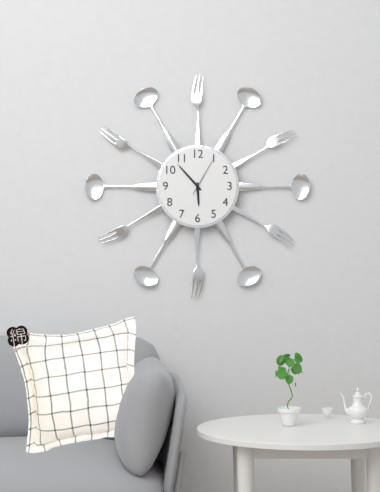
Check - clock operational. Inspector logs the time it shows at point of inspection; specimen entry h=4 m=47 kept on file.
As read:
h=5 m=53
